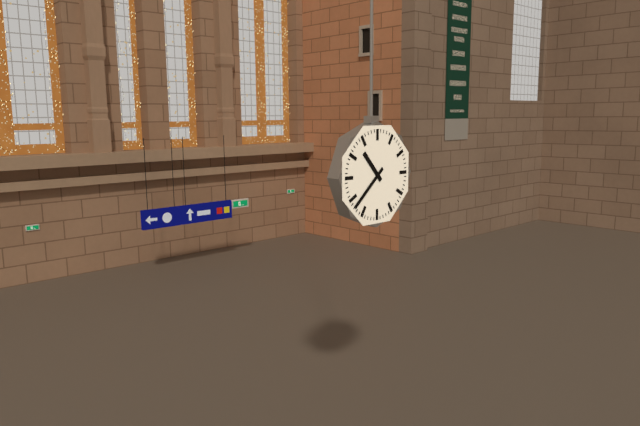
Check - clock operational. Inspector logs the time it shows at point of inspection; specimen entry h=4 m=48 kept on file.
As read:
h=10 m=38
